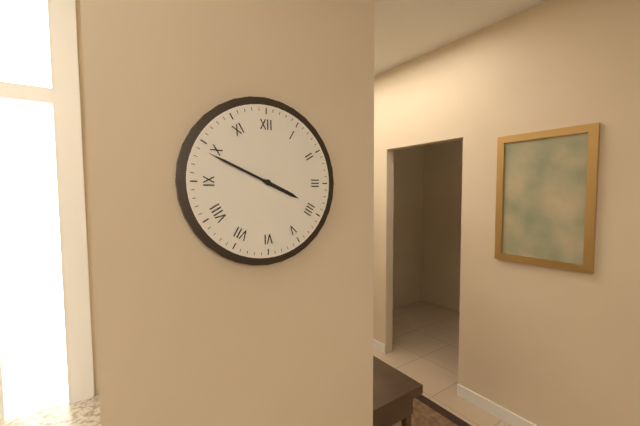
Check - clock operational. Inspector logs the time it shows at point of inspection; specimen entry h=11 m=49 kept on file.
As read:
h=3 m=49
